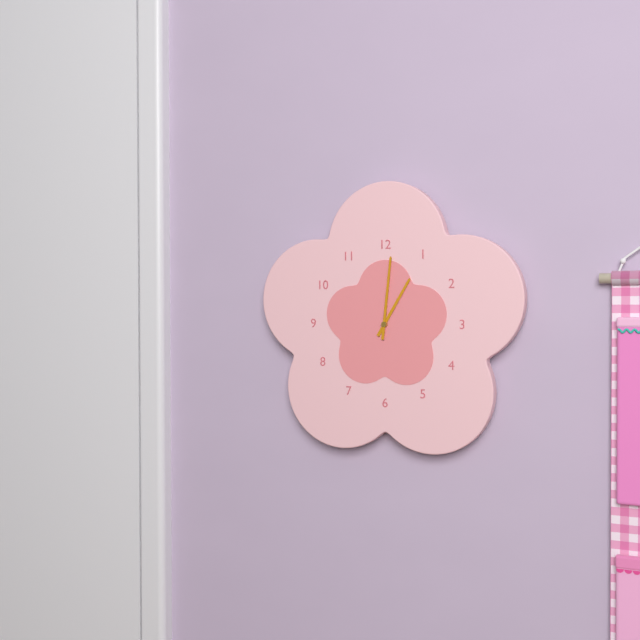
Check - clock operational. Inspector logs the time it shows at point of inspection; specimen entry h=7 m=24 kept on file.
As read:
h=1 m=1
